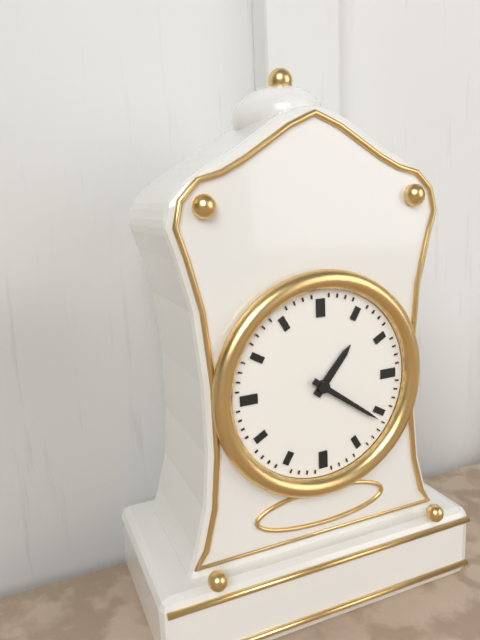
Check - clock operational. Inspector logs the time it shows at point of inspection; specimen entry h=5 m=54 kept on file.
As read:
h=1 m=21
